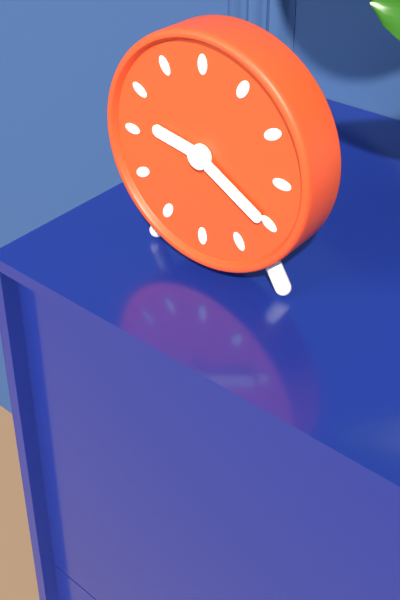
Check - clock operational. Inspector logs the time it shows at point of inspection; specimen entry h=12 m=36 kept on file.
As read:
h=9 m=20
